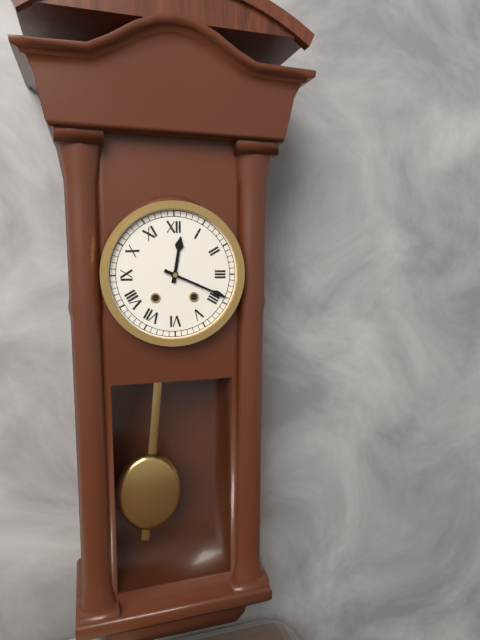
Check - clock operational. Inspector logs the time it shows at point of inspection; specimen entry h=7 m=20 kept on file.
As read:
h=12 m=19
